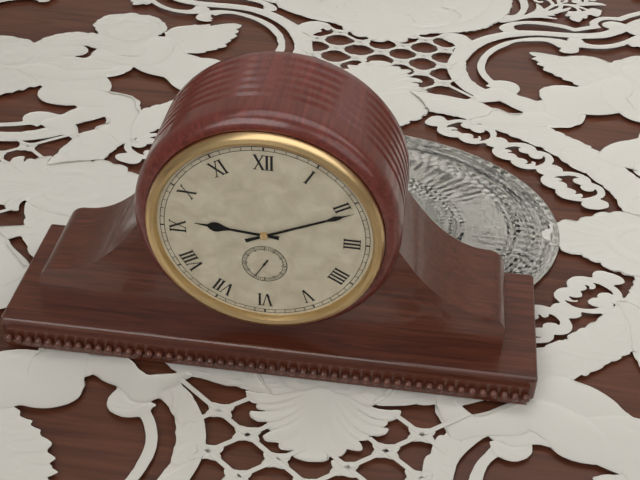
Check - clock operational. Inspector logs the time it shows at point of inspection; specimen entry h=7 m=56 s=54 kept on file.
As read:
h=9 m=11 s=35
